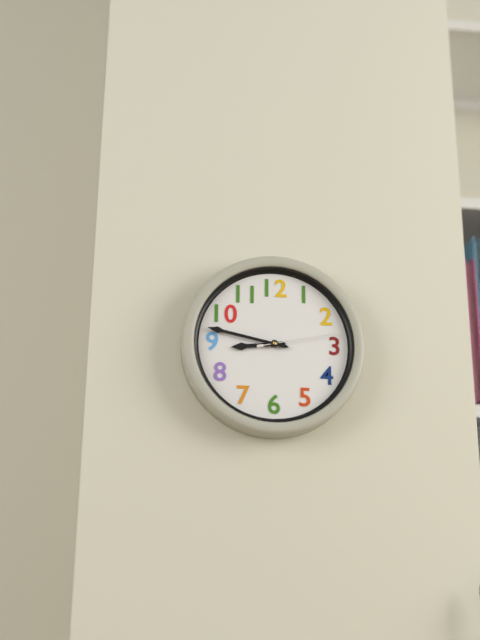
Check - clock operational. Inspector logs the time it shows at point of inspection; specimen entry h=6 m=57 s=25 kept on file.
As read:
h=8 m=47 s=13
